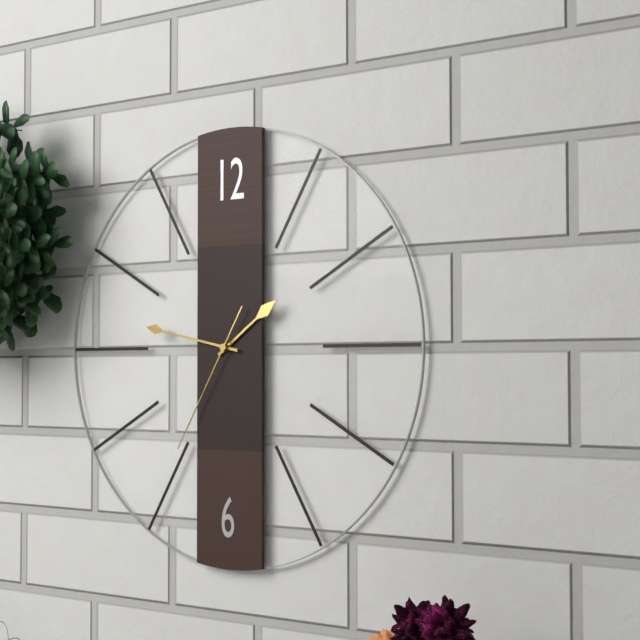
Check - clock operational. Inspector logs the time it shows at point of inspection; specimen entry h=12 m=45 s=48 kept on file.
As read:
h=1 m=47 s=35
